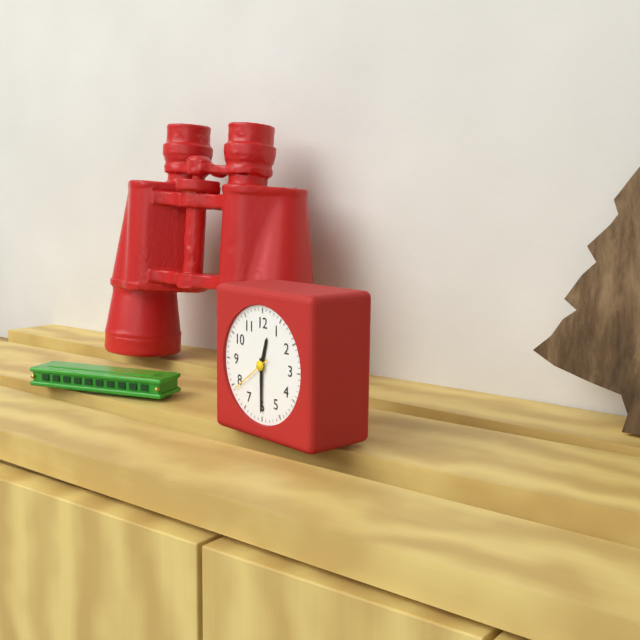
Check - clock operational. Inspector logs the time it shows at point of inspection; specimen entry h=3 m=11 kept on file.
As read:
h=12 m=30
